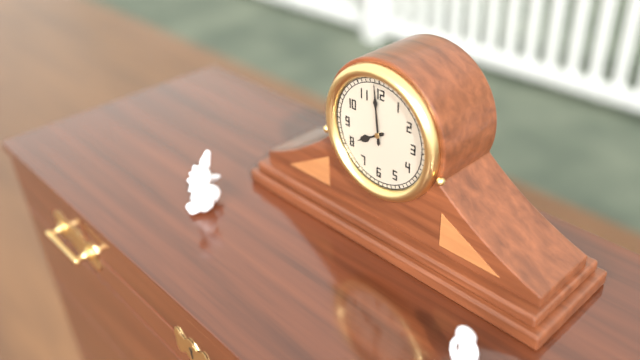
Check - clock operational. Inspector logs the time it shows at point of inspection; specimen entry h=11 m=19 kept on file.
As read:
h=7 m=59
